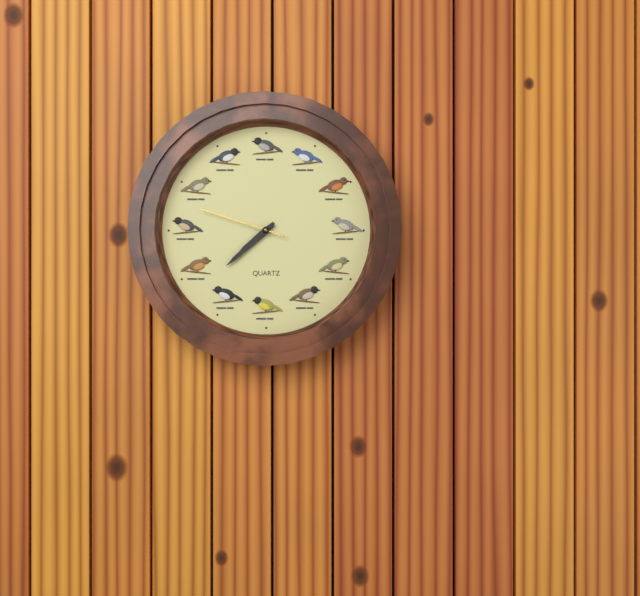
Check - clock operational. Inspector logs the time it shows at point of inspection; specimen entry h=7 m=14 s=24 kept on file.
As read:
h=7 m=38 s=48
